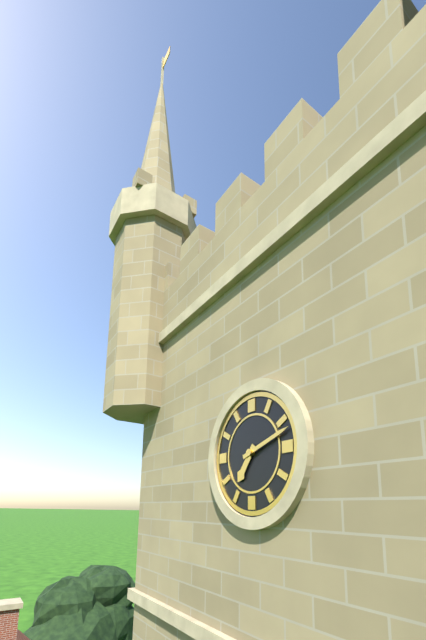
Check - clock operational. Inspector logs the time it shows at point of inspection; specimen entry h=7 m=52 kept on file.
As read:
h=7 m=12
